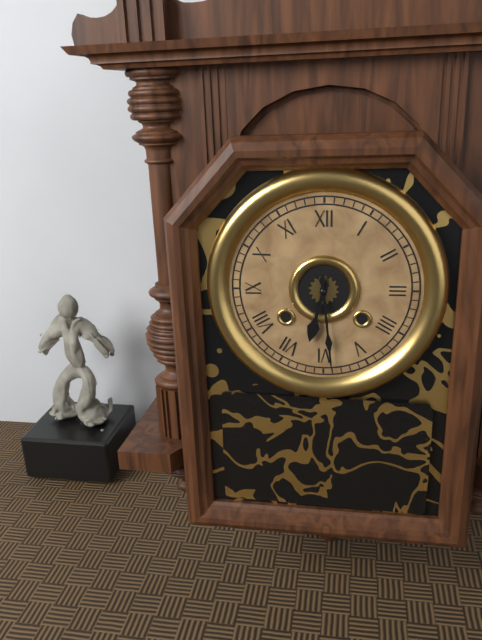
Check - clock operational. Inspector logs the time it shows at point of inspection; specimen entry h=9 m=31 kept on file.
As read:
h=6 m=29
